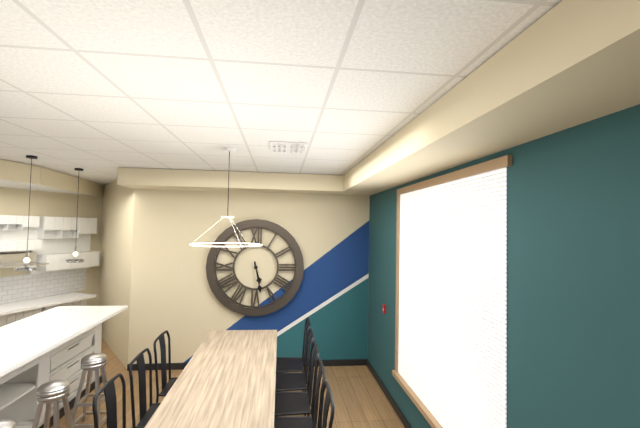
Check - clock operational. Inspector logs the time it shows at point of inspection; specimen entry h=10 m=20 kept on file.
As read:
h=5 m=28
